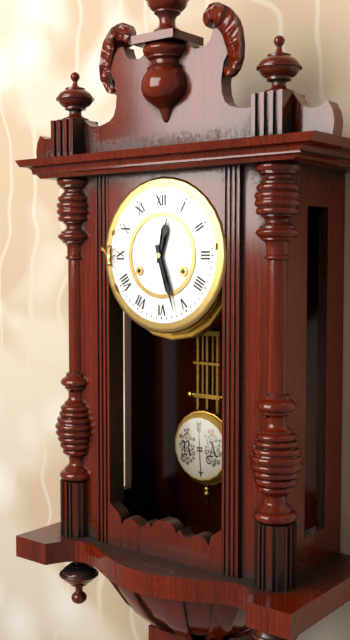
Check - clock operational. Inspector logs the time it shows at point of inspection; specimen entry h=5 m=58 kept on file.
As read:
h=12 m=27
